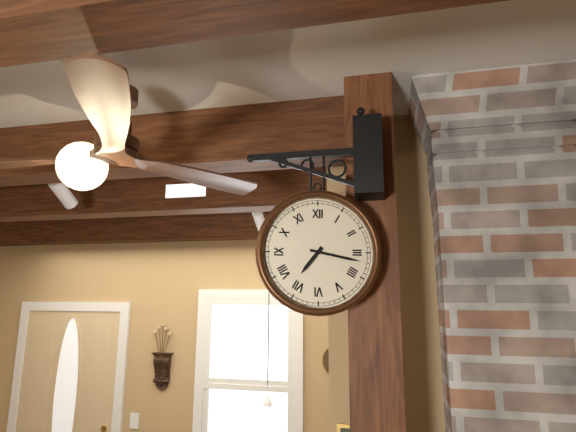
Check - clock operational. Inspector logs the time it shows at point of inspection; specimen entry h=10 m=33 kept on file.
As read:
h=7 m=17
